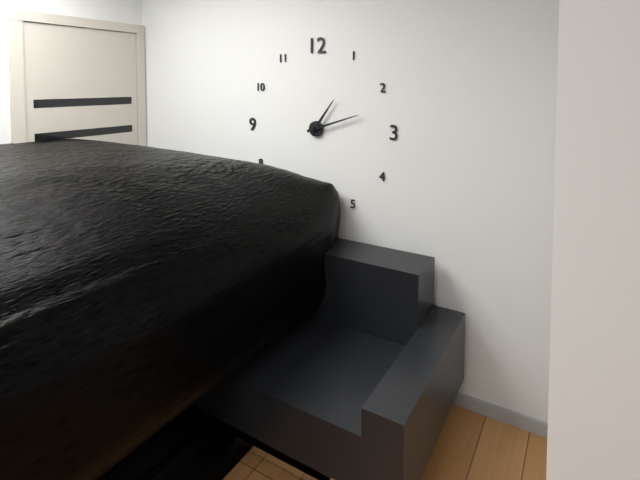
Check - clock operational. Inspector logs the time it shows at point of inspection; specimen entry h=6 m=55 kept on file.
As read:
h=1 m=12
